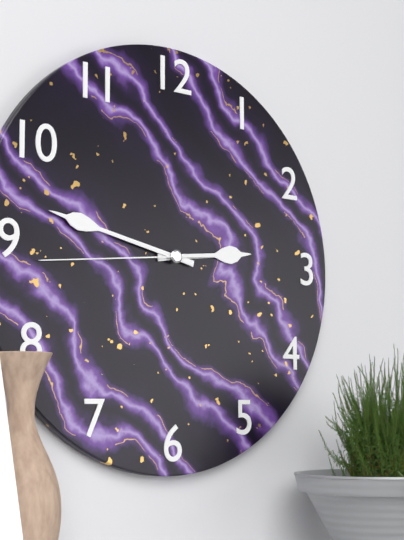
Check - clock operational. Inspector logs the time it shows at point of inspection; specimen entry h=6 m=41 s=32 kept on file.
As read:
h=2 m=47 s=44
